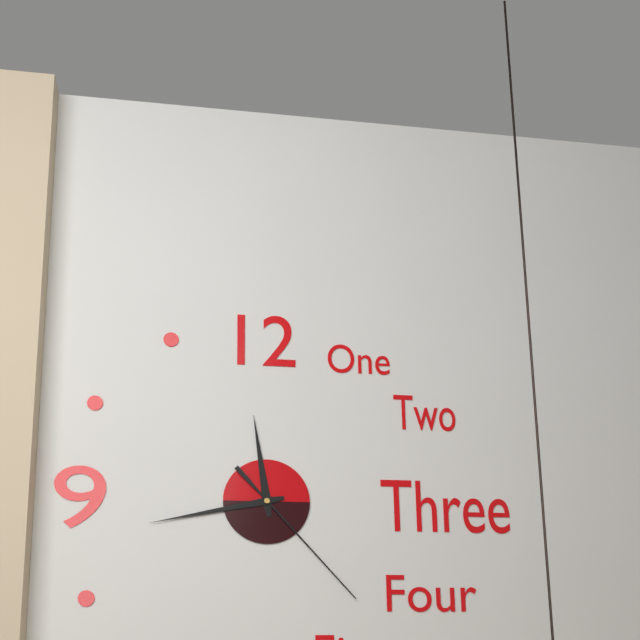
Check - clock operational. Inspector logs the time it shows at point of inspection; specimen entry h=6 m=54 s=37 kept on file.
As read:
h=11 m=43 s=23
